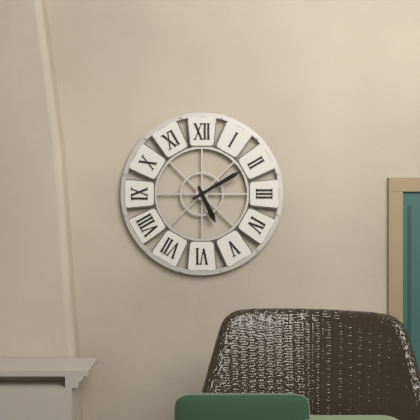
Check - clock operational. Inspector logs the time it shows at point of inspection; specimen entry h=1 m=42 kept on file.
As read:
h=5 m=10
